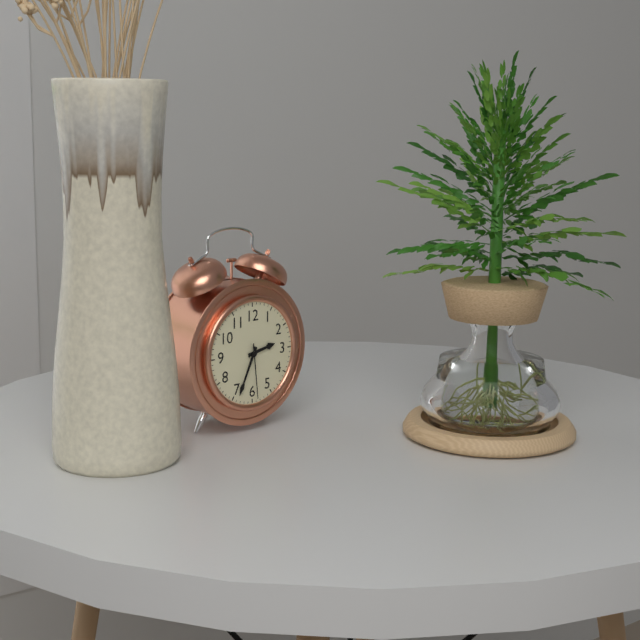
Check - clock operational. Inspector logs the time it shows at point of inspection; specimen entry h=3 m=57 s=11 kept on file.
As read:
h=2 m=34 s=29
